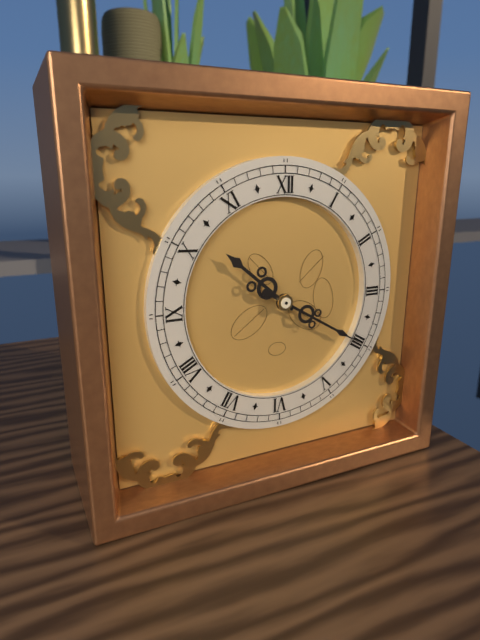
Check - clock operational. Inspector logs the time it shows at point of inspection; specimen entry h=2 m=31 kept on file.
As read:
h=10 m=20
